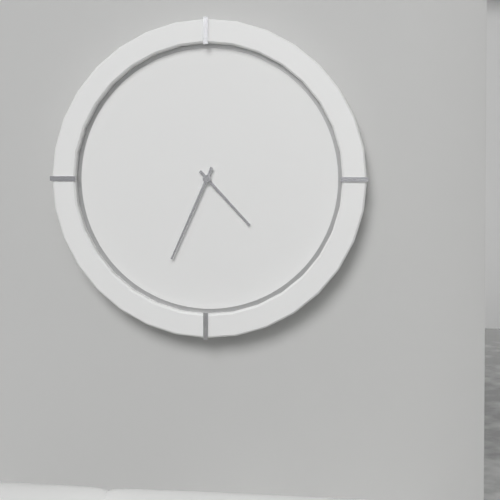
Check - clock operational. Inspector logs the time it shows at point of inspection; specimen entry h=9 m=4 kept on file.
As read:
h=4 m=34
